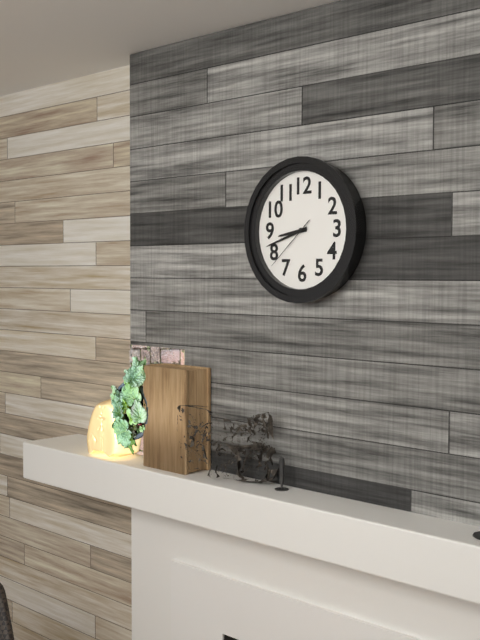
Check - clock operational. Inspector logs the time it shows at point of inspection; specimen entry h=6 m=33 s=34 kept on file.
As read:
h=8 m=42 s=38
